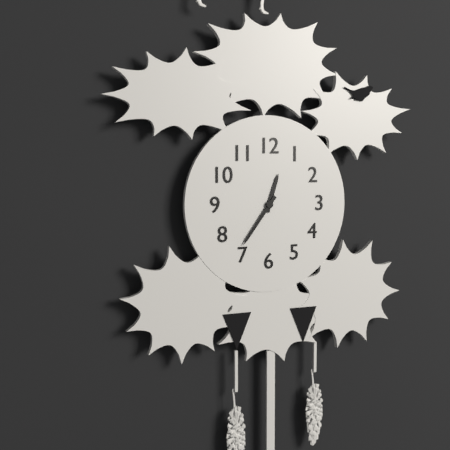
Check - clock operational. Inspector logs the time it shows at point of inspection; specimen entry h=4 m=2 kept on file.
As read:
h=12 m=36
